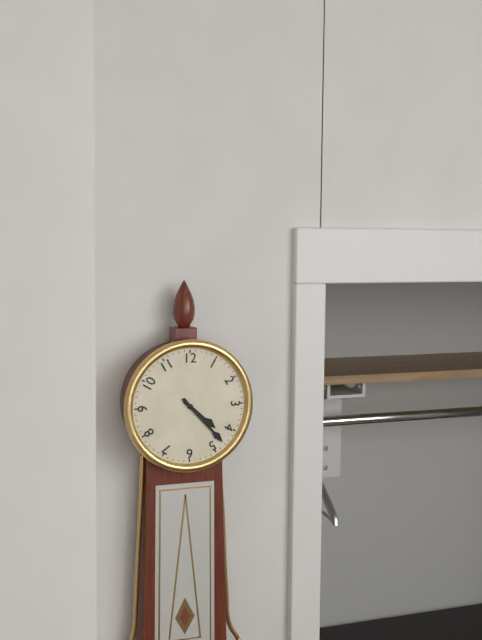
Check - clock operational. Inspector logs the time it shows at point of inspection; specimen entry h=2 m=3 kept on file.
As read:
h=4 m=23
